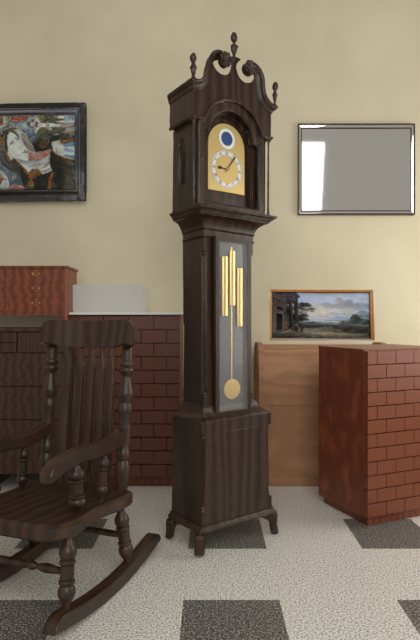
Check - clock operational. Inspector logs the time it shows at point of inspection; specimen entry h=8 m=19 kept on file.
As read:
h=9 m=6
